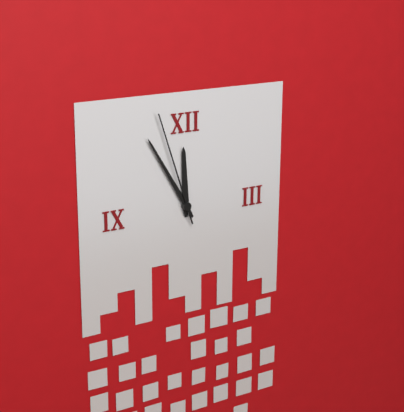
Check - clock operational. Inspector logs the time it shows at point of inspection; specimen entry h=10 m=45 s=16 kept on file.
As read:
h=11 m=55 s=57
